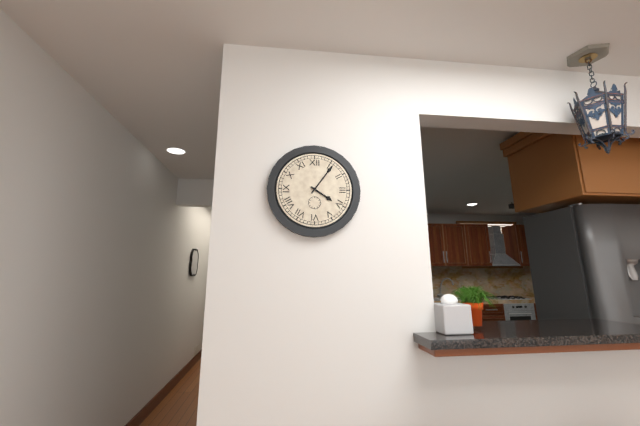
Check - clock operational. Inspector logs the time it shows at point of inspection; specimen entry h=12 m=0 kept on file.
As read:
h=4 m=6
